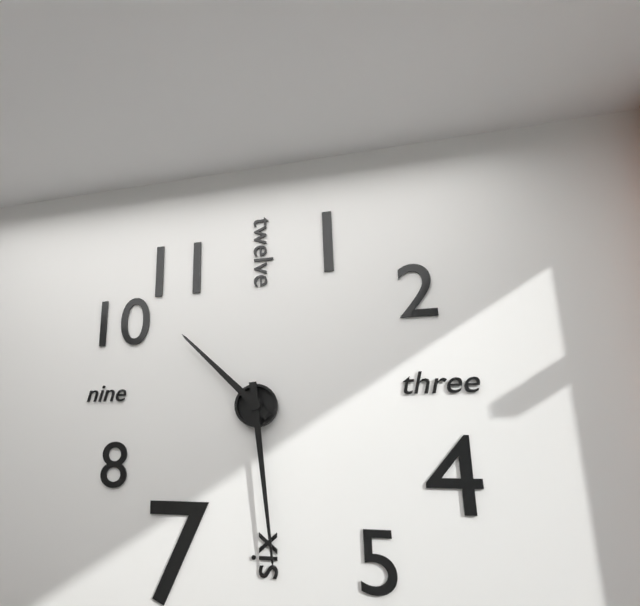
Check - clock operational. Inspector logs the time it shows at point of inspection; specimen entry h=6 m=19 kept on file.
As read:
h=10 m=29
